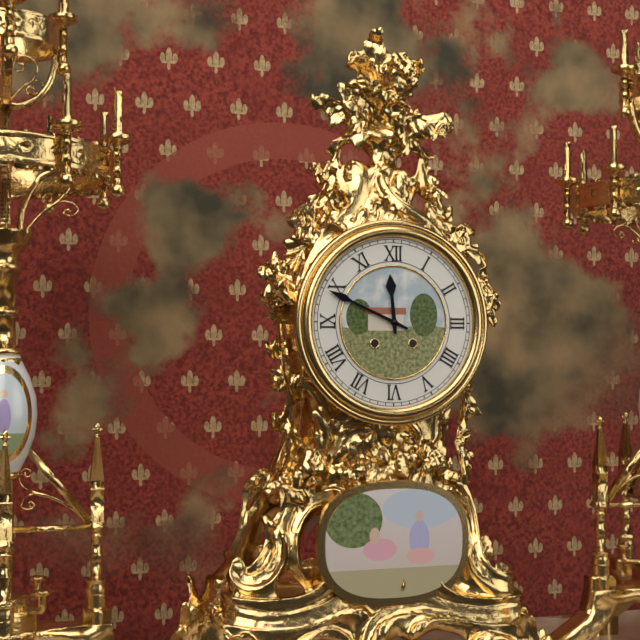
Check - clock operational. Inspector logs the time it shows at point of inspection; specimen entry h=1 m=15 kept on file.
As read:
h=11 m=49
